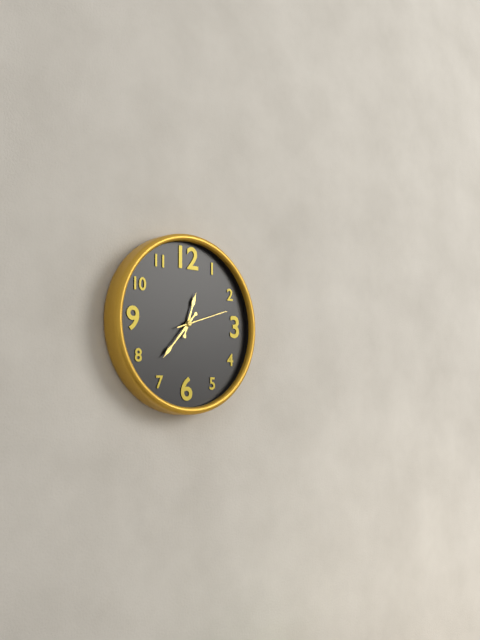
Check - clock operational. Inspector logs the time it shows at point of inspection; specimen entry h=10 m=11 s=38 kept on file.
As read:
h=12 m=37 s=12
